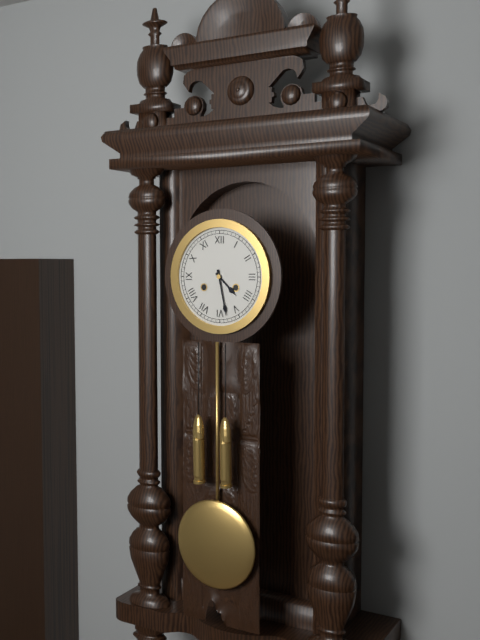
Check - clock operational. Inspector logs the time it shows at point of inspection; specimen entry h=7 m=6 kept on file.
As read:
h=4 m=28
